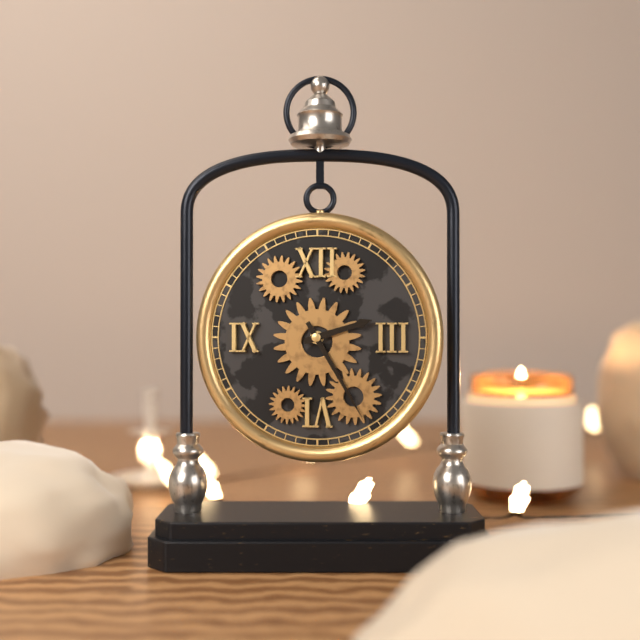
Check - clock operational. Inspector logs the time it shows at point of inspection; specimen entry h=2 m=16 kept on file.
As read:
h=2 m=25
